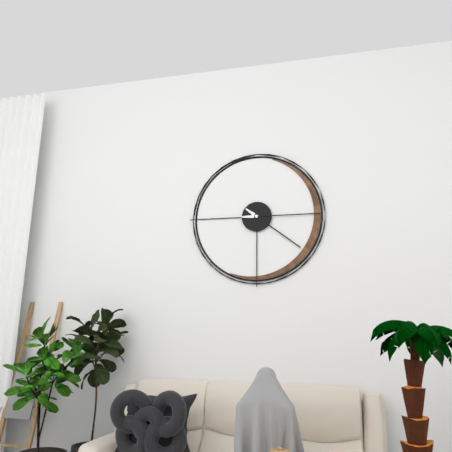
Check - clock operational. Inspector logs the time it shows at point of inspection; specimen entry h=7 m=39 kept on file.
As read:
h=4 m=15
